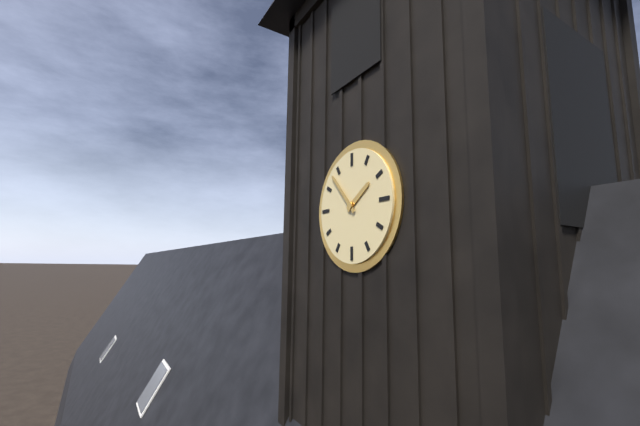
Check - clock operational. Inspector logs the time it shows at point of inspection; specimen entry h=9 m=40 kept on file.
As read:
h=1 m=53
